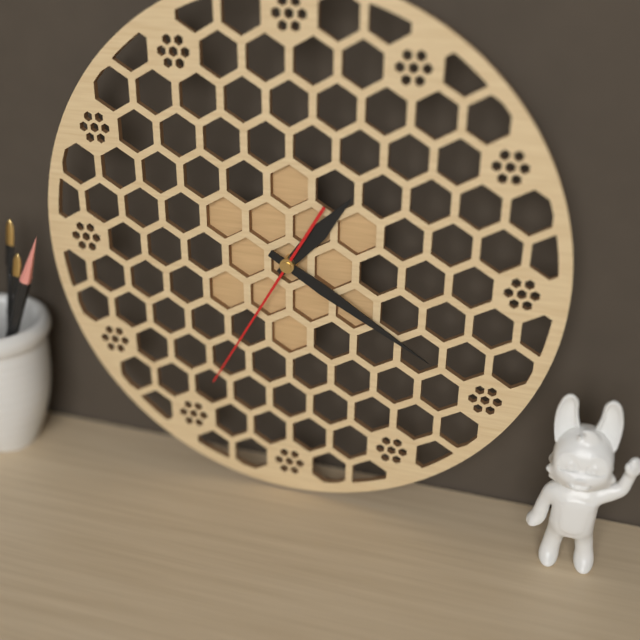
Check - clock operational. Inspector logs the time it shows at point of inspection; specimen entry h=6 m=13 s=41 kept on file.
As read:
h=1 m=20 s=35
